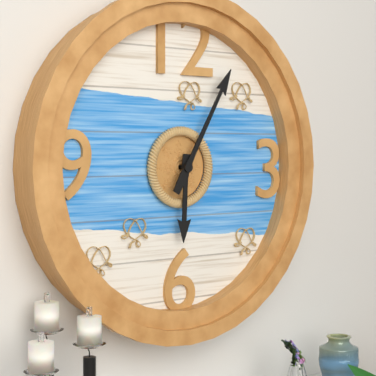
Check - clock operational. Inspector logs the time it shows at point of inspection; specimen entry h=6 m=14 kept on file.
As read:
h=6 m=5
